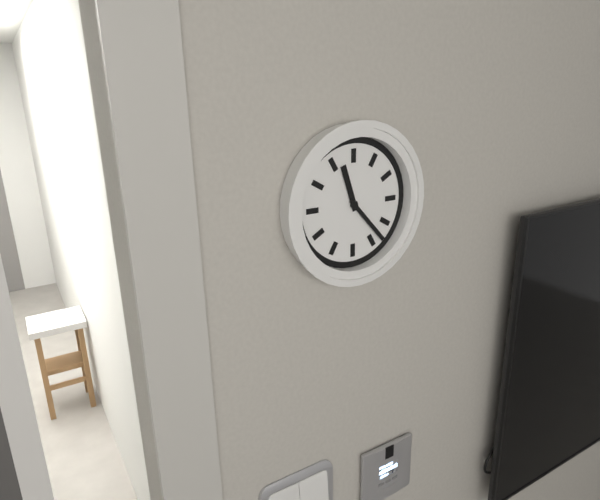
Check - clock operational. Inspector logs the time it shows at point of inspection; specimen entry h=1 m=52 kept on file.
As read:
h=11 m=23
